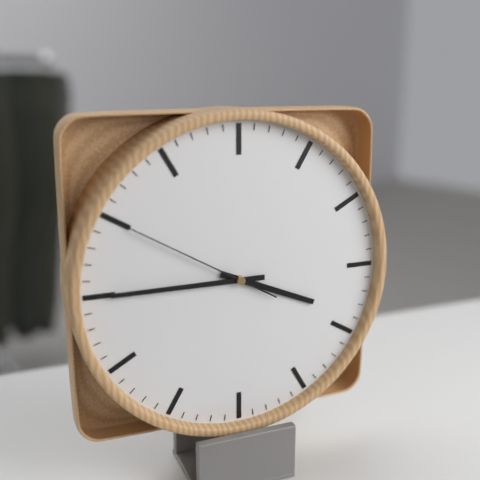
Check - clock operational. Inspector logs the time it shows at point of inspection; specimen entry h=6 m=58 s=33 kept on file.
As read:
h=3 m=45 s=50
